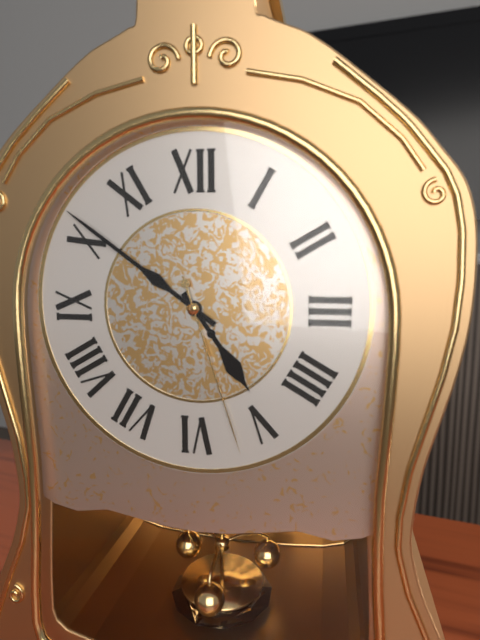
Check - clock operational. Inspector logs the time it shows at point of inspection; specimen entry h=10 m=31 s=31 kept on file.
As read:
h=4 m=51 s=27
